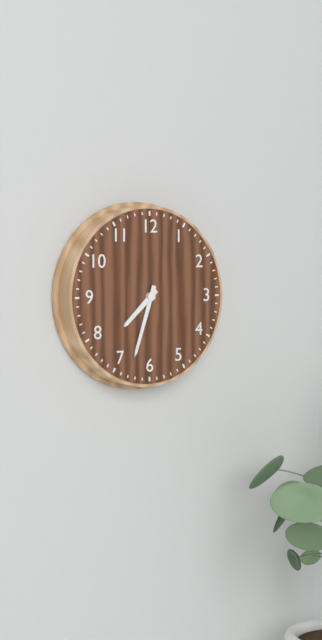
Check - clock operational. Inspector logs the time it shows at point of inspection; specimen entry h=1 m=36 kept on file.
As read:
h=7 m=33
